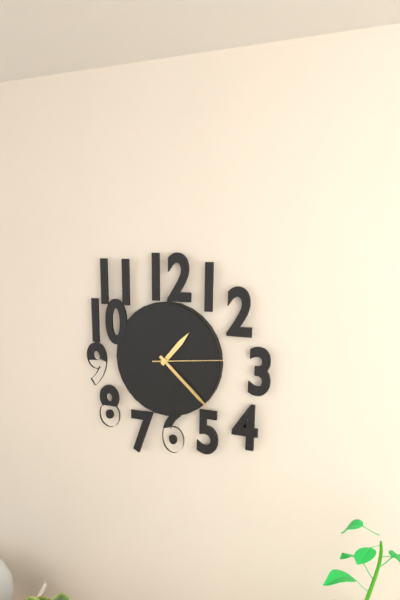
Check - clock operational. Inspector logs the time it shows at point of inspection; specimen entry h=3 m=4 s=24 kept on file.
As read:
h=1 m=22 s=14
